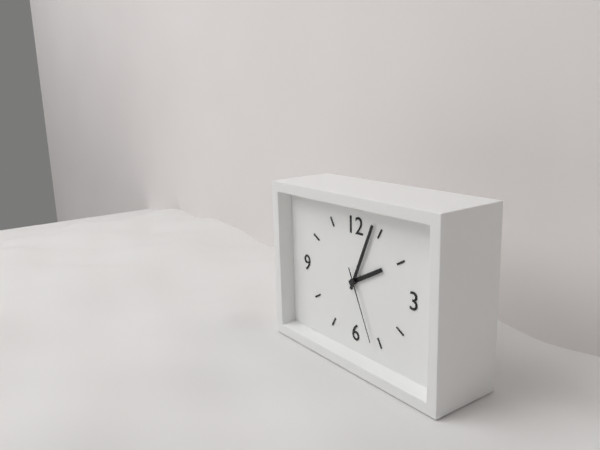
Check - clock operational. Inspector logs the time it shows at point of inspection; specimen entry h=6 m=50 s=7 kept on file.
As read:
h=2 m=4 s=26
